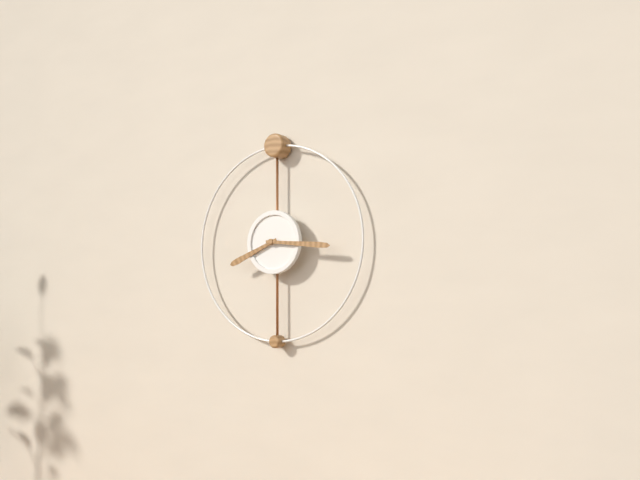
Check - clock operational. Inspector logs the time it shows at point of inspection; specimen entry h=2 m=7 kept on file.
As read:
h=8 m=16
